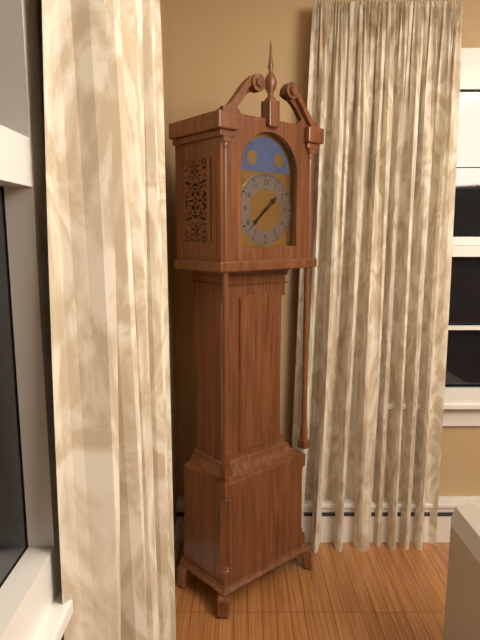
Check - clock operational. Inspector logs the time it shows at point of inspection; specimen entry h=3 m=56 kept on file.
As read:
h=1 m=38
